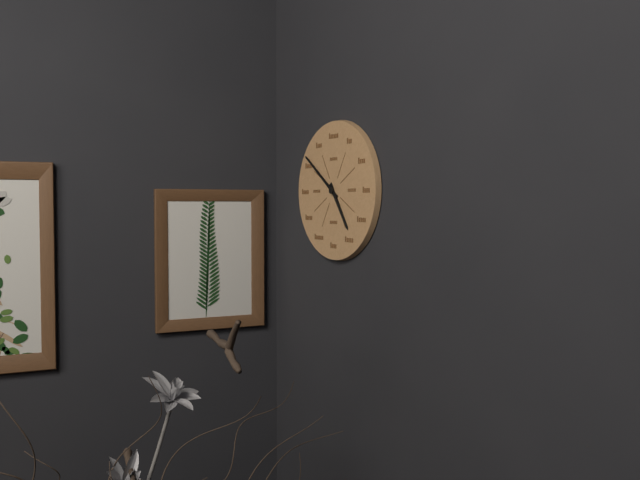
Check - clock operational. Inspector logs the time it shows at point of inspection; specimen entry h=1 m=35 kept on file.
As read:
h=4 m=51
